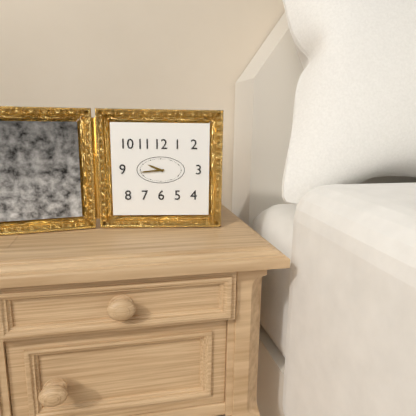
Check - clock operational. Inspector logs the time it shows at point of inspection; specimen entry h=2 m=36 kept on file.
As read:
h=9 m=44
